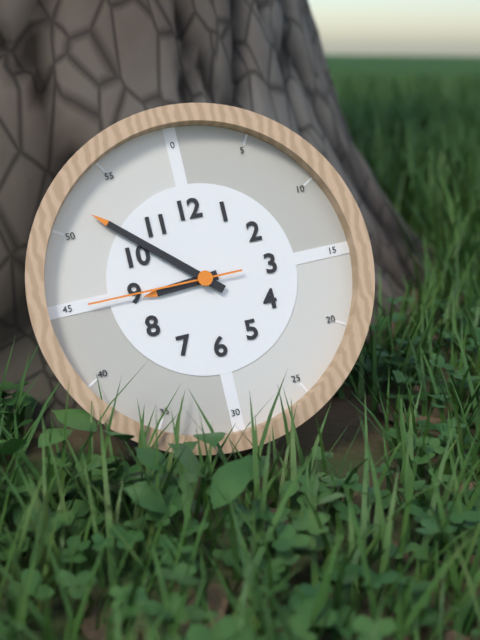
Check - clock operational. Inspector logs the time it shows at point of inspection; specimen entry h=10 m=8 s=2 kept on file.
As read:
h=8 m=52 s=45
